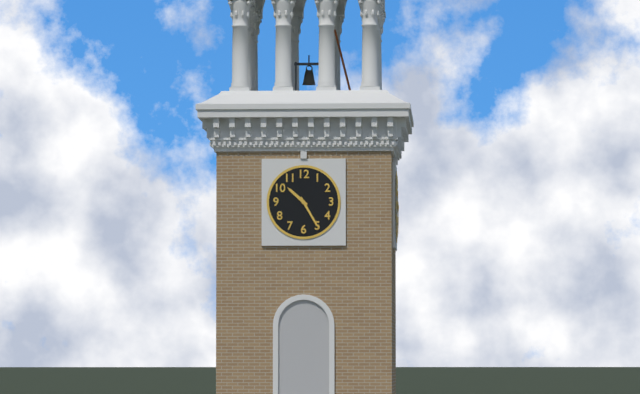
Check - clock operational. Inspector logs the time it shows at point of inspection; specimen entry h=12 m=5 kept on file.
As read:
h=10 m=25
